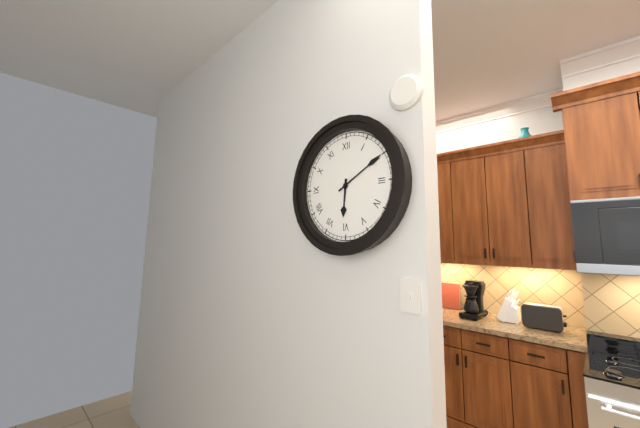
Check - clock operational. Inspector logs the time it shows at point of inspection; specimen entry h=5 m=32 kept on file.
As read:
h=6 m=10
